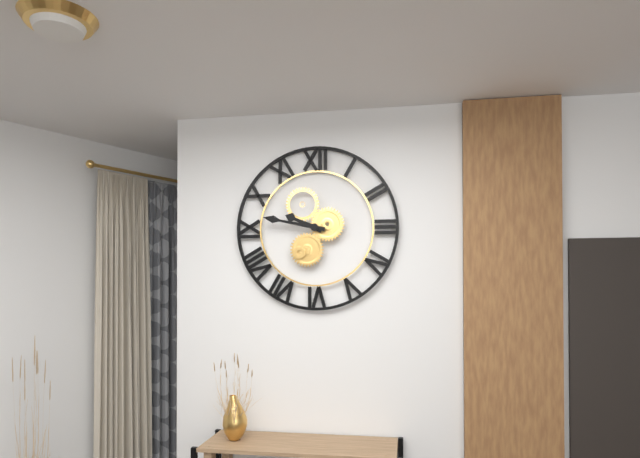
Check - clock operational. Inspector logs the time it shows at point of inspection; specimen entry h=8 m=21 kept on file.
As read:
h=9 m=47
